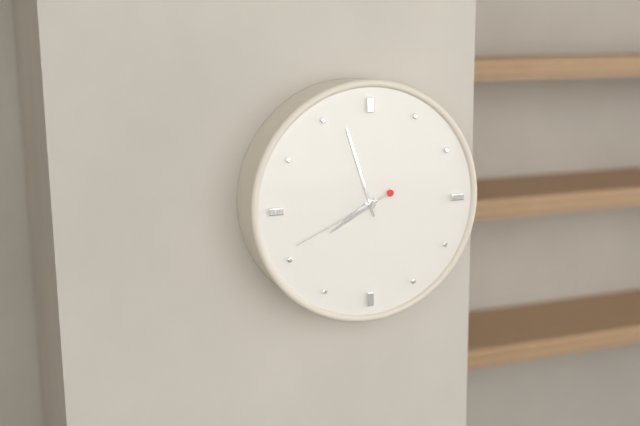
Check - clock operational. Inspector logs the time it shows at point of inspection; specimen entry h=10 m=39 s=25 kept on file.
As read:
h=7 m=57 s=41
